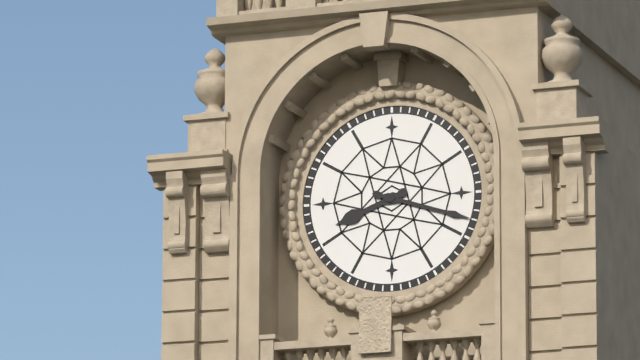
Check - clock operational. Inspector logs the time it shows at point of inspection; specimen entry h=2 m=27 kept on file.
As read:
h=8 m=18
